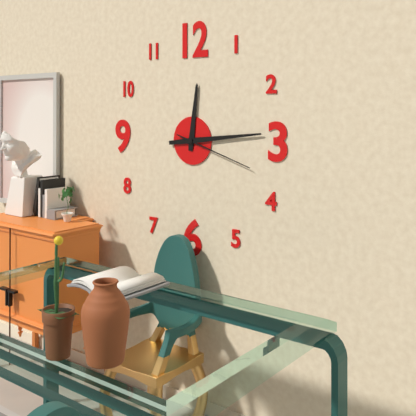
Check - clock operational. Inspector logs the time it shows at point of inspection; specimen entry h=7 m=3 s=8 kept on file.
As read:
h=12 m=14 s=18
